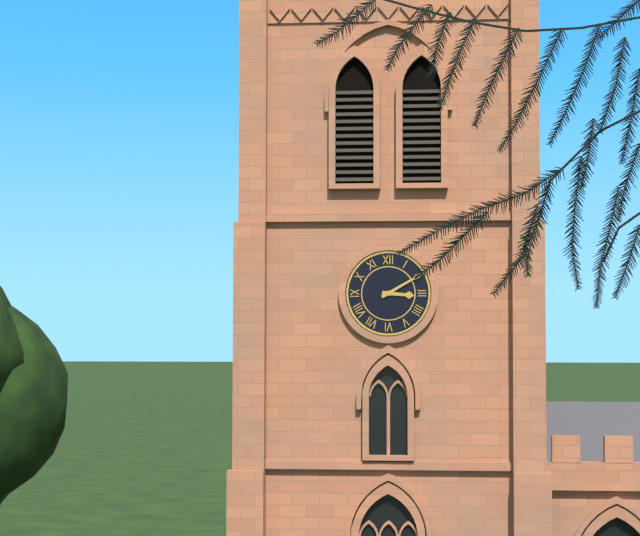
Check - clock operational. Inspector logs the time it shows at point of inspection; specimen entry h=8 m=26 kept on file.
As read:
h=3 m=10
